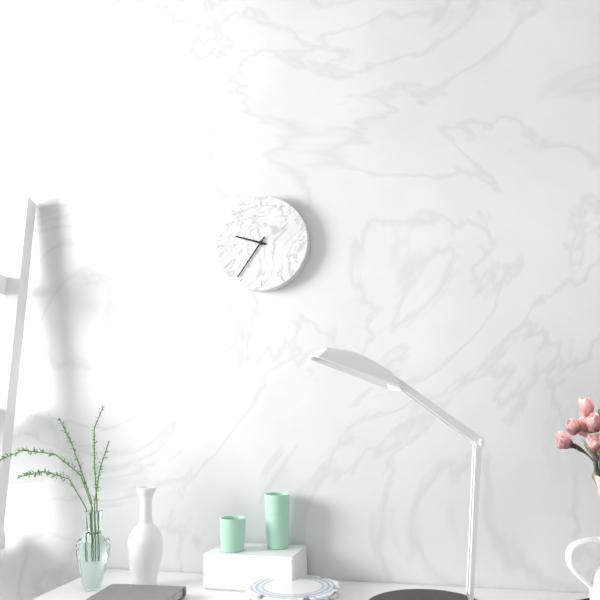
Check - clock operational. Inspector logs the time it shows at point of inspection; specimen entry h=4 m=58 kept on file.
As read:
h=9 m=36
